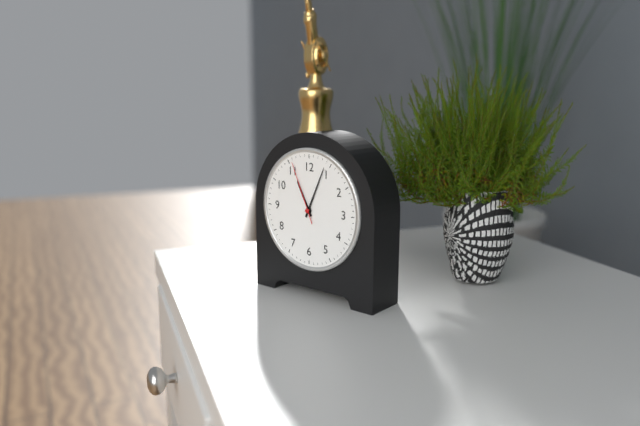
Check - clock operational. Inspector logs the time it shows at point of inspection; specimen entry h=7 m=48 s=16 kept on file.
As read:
h=11 m=4 s=56
